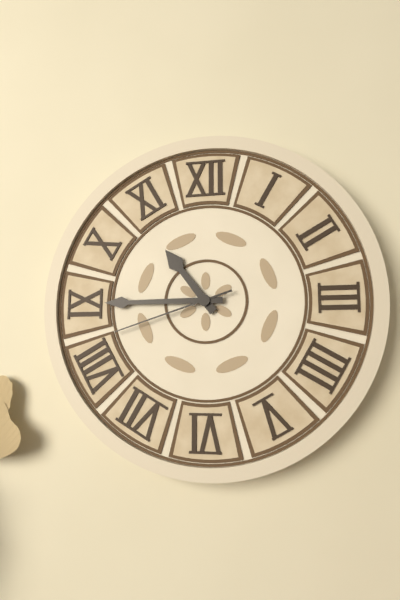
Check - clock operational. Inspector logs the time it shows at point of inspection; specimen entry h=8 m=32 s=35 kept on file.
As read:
h=10 m=45 s=42
